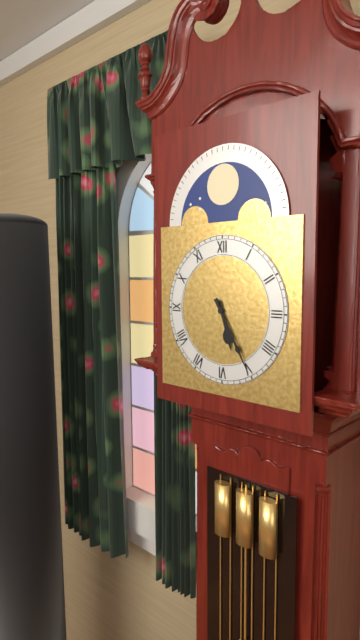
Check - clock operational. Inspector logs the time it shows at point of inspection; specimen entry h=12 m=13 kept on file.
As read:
h=5 m=25
